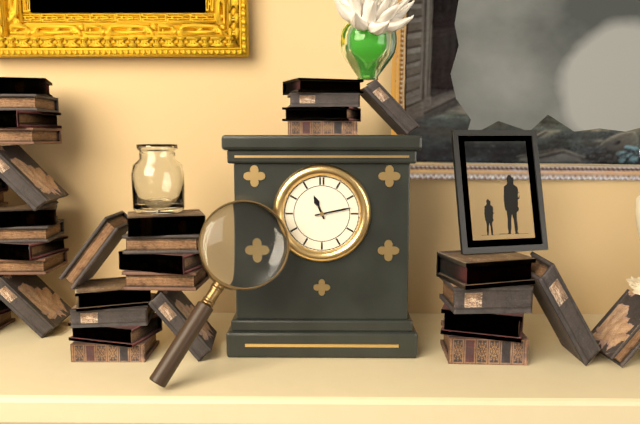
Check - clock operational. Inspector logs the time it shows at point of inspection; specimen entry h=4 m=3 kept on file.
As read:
h=11 m=13
